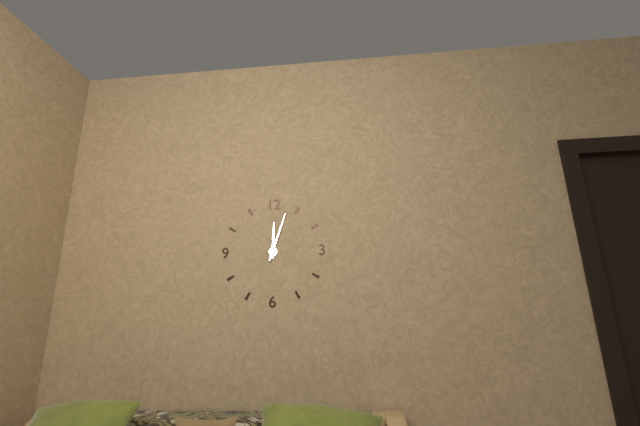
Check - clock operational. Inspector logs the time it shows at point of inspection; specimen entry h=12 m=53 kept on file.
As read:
h=12 m=3
